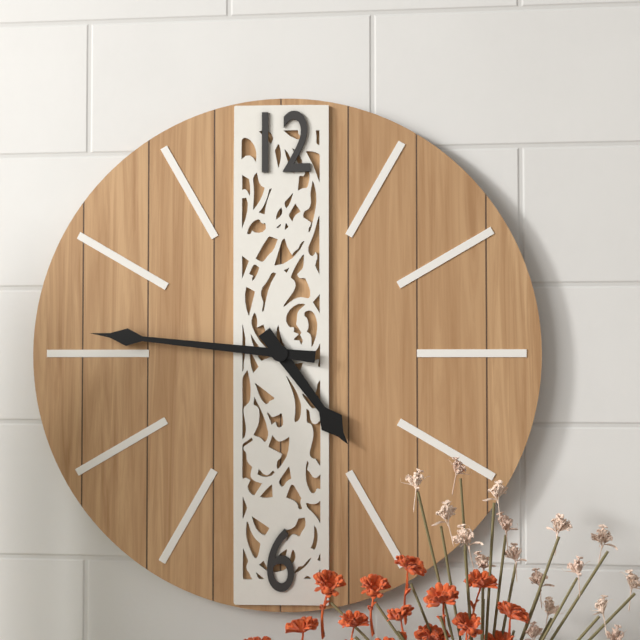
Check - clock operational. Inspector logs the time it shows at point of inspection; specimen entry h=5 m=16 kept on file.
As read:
h=4 m=46
